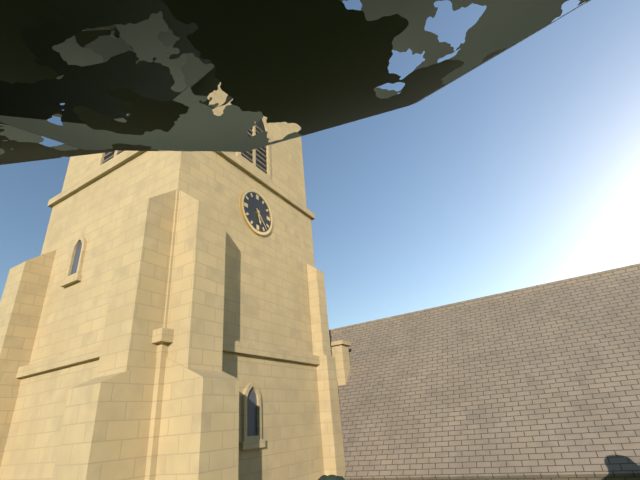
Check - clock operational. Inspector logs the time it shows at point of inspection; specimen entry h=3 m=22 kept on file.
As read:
h=5 m=23
